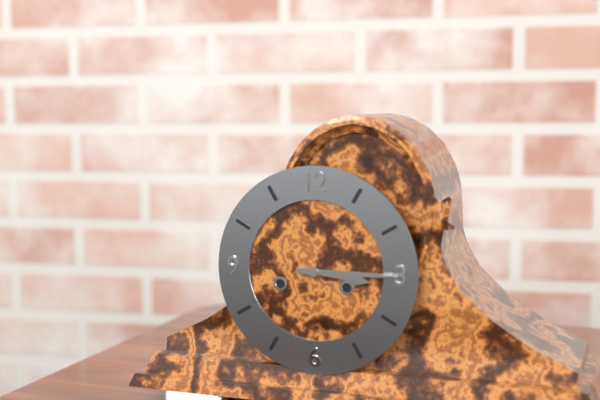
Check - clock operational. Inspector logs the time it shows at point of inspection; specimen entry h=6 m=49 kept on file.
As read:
h=3 m=15
